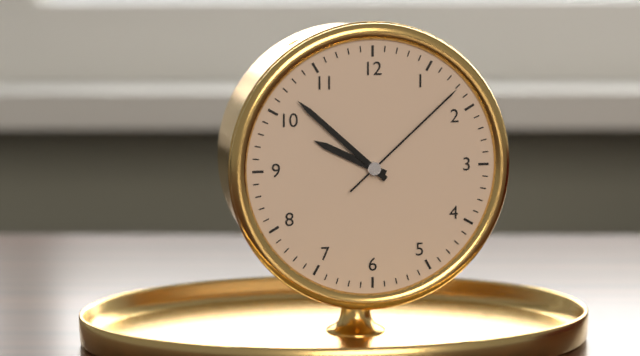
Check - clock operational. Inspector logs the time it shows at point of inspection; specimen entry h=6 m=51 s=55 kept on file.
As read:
h=9 m=52 s=8
